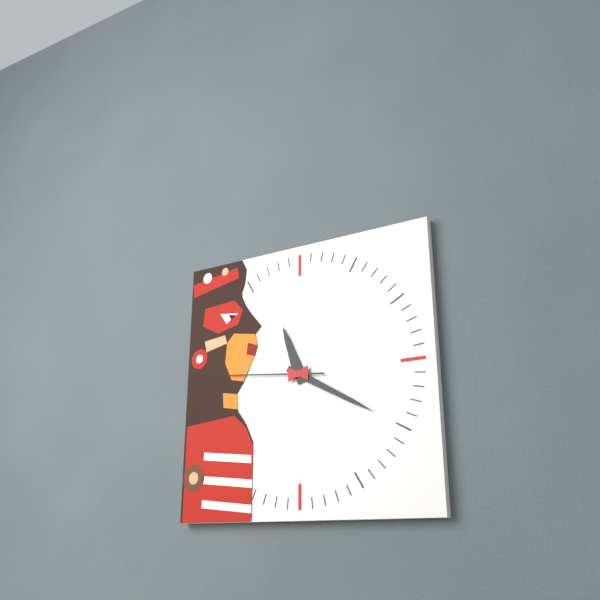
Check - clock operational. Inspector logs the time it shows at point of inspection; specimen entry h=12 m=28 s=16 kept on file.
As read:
h=11 m=20 s=46
